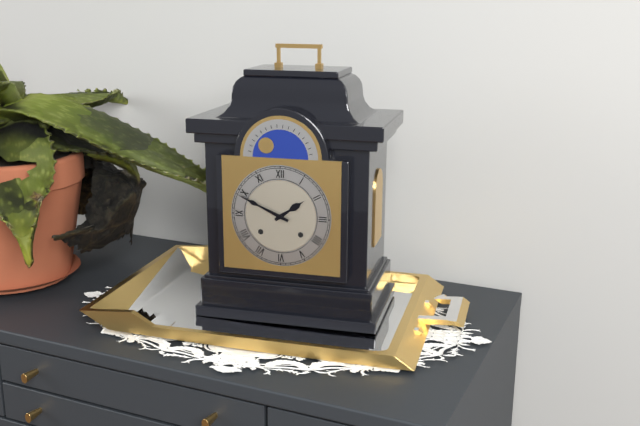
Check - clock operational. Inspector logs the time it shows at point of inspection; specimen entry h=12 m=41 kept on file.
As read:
h=1 m=49
